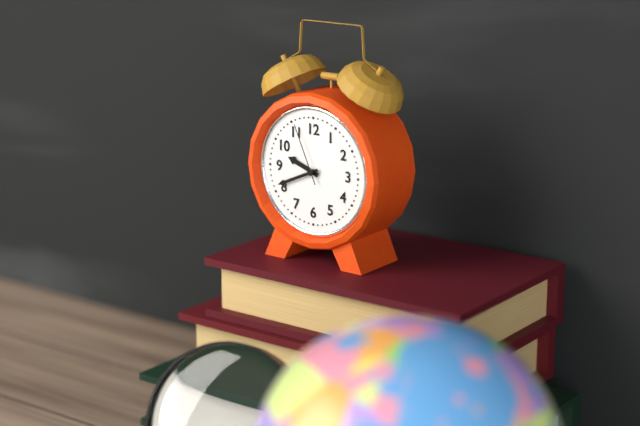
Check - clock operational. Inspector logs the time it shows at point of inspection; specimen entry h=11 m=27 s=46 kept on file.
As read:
h=9 m=41 s=56
